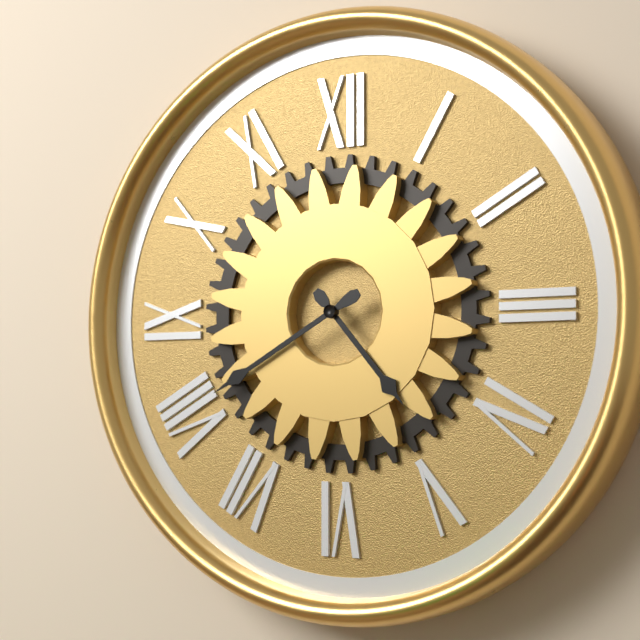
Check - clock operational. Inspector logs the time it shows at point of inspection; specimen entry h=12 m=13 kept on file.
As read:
h=4 m=40
